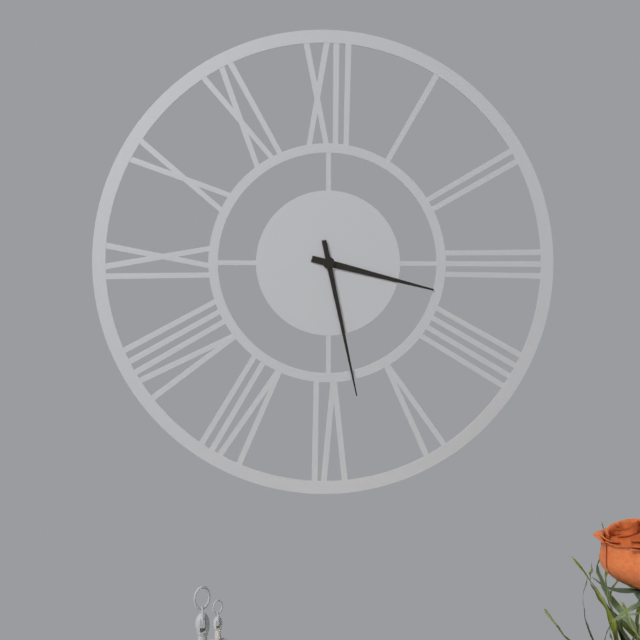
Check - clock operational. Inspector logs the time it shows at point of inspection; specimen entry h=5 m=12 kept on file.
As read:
h=3 m=28
